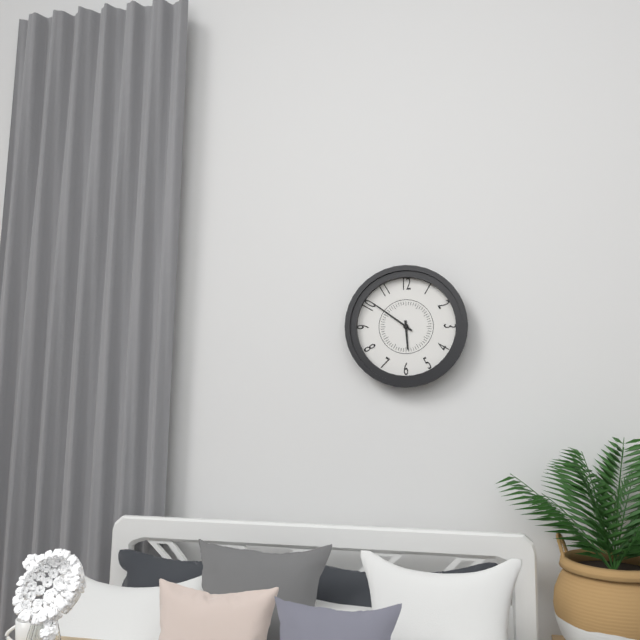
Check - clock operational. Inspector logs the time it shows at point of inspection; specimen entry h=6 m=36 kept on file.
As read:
h=5 m=51
